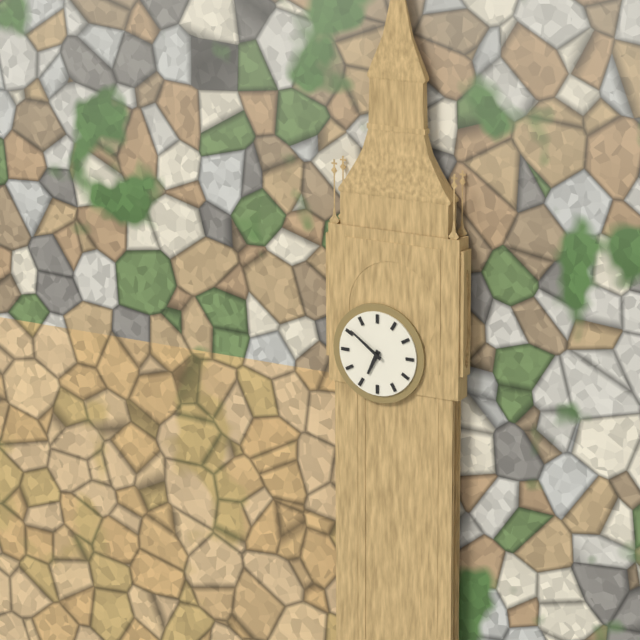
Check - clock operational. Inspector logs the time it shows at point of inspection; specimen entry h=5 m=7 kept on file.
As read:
h=6 m=51
